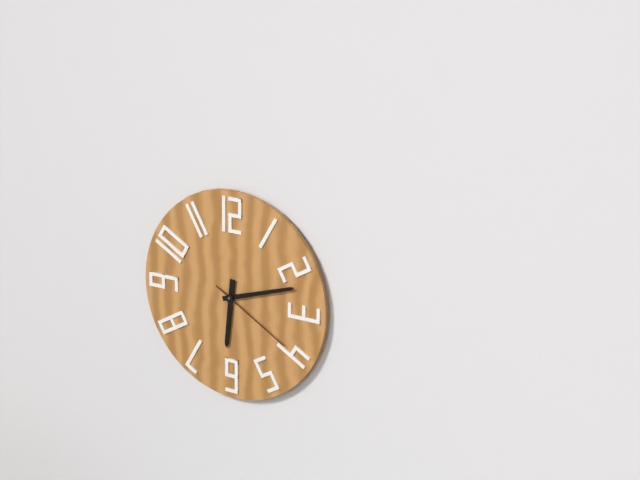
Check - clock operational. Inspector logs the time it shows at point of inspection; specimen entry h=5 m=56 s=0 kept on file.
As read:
h=6 m=12 s=20
